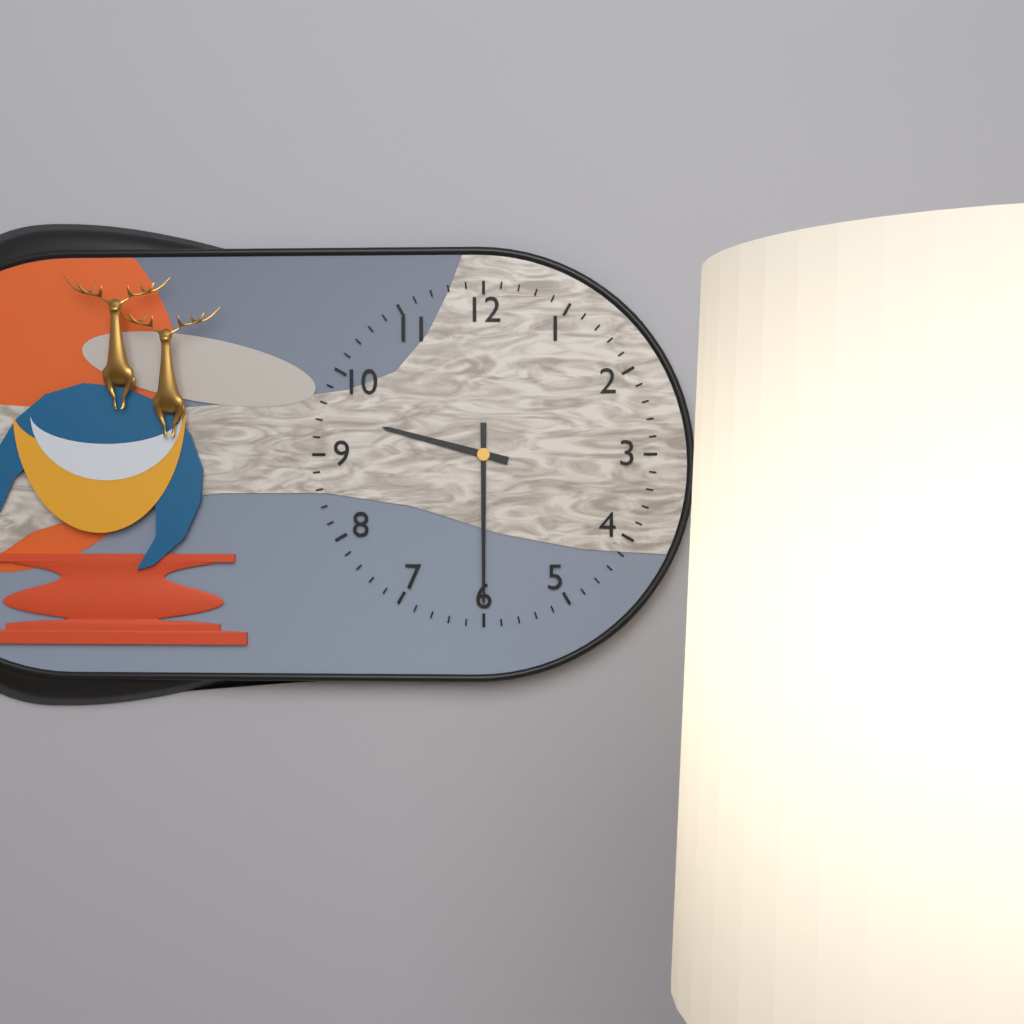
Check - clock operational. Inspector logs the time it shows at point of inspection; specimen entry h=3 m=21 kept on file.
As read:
h=9 m=30
